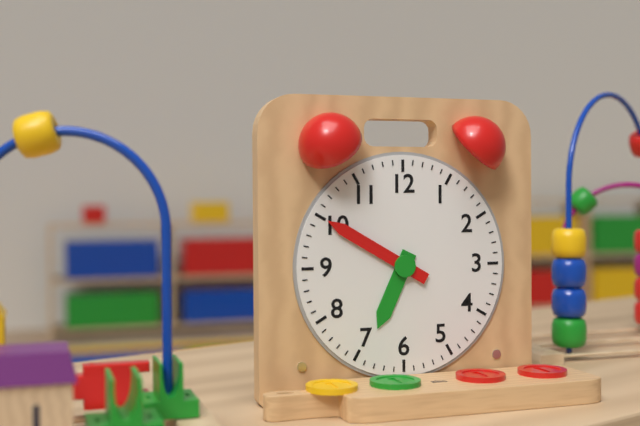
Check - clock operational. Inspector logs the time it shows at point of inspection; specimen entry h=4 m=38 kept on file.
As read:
h=6 m=50
